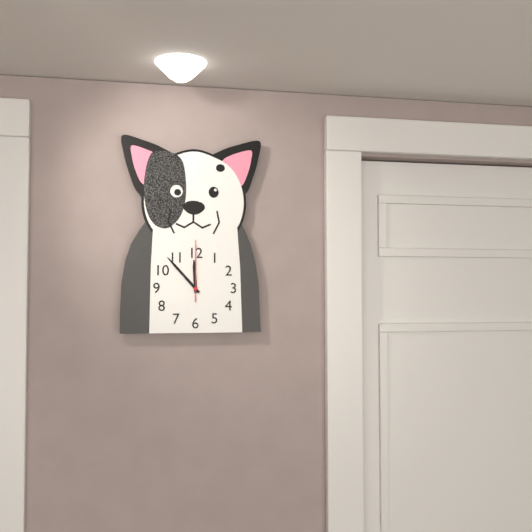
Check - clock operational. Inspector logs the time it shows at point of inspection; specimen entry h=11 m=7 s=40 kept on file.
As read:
h=11 m=53 s=0
